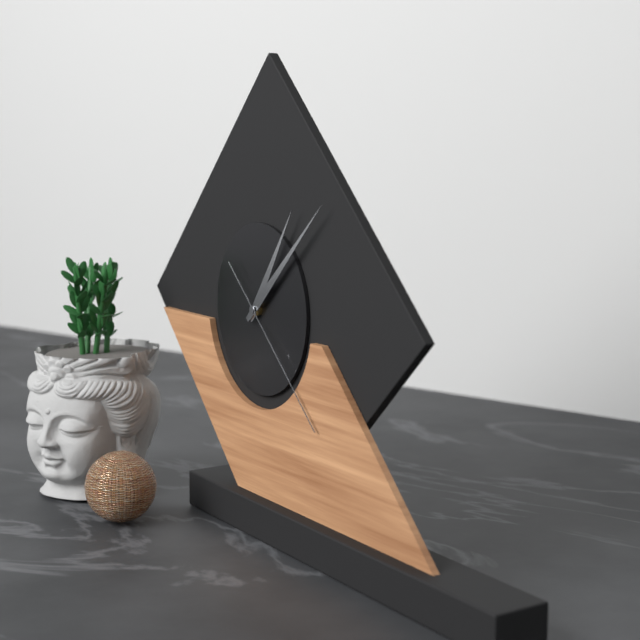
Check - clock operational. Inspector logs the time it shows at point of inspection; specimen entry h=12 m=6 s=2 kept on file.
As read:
h=1 m=8 s=22
